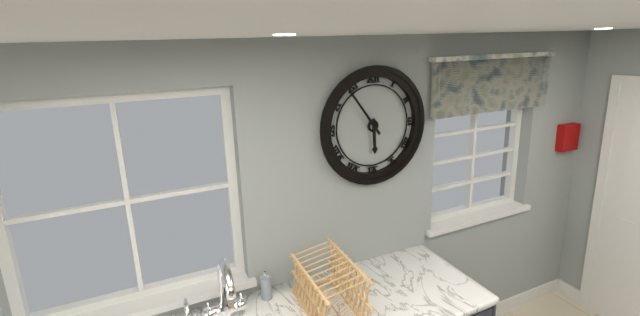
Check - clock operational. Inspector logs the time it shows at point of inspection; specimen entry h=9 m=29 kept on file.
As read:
h=5 m=54
